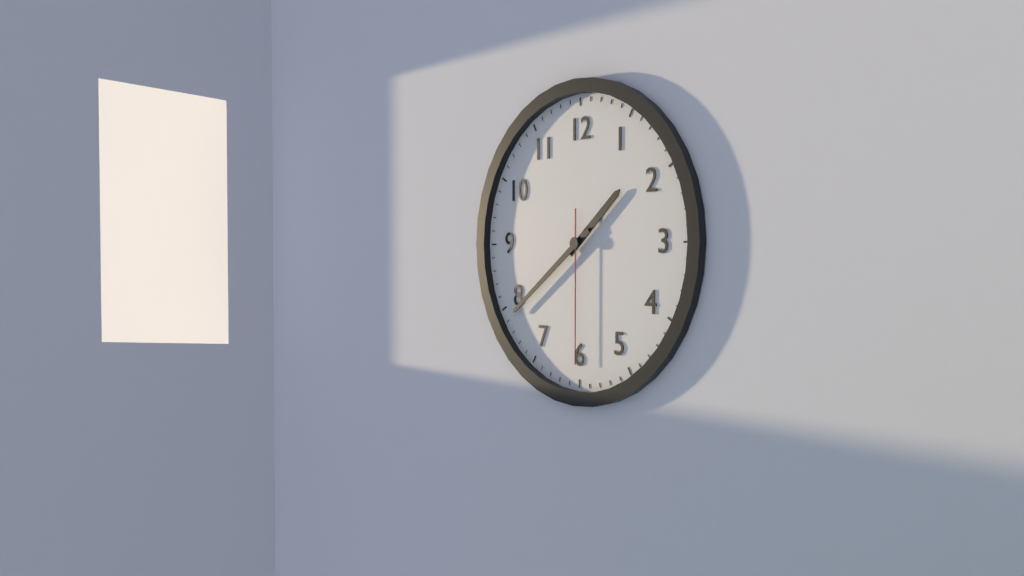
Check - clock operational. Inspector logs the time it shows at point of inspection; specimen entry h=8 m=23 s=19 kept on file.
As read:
h=1 m=39 s=30
